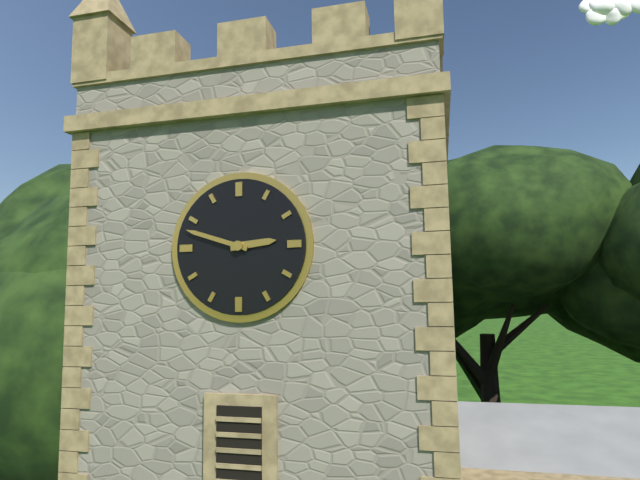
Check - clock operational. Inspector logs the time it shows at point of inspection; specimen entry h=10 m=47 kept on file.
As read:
h=2 m=48
